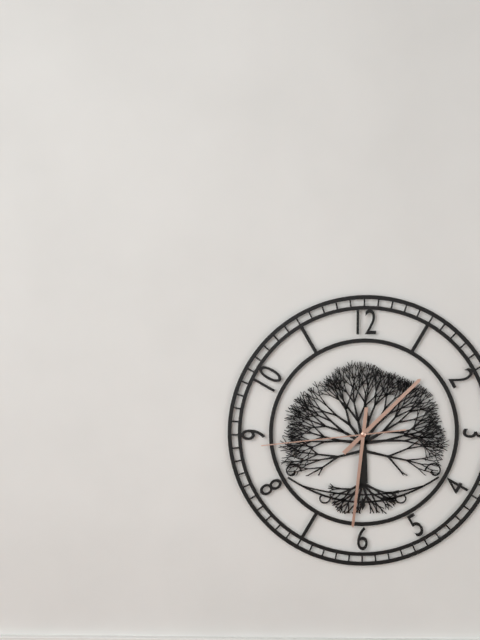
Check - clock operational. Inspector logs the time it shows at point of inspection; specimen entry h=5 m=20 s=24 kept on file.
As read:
h=1 m=31 s=44
